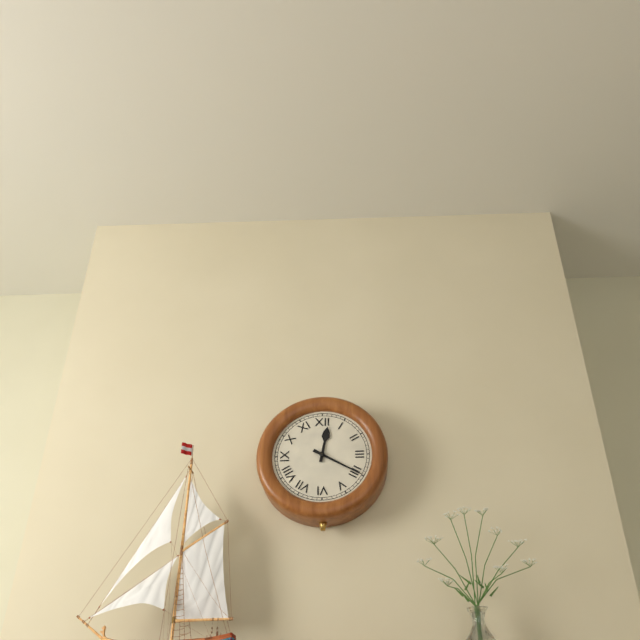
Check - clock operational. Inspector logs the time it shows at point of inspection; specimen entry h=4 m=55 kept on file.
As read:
h=12 m=20
